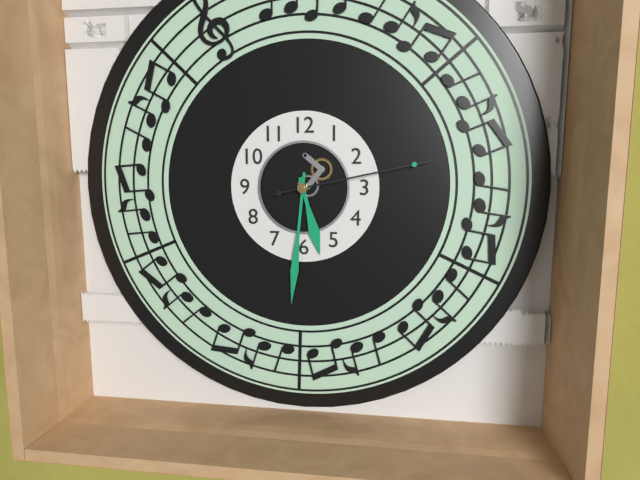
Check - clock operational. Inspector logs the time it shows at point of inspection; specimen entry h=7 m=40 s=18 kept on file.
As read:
h=5 m=31 s=13
